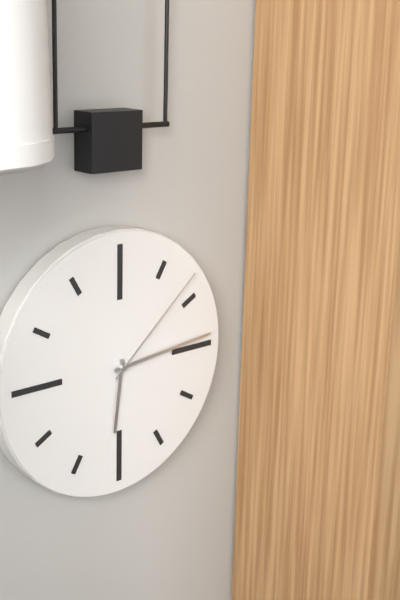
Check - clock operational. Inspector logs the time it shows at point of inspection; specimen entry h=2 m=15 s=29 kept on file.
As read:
h=6 m=14 s=8
